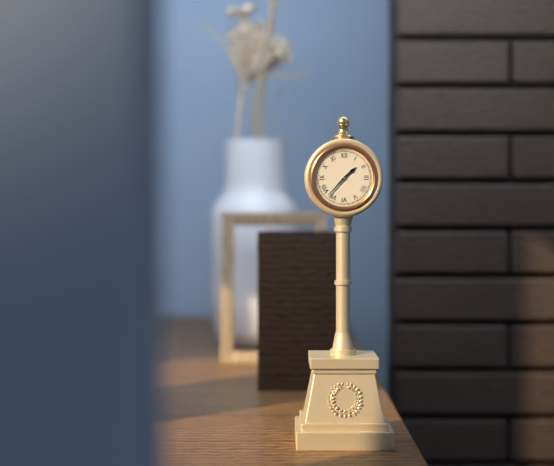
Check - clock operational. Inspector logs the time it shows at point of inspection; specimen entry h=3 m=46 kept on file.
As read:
h=1 m=37
